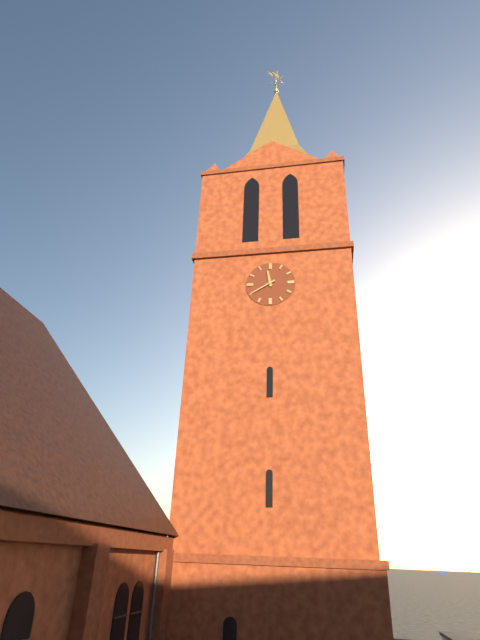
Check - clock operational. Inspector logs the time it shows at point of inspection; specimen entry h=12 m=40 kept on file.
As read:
h=11 m=40
